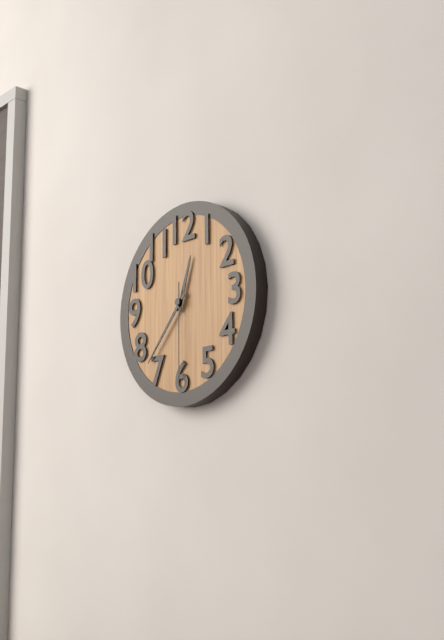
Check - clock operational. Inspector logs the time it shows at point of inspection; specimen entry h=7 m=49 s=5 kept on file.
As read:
h=12 m=37 s=30
